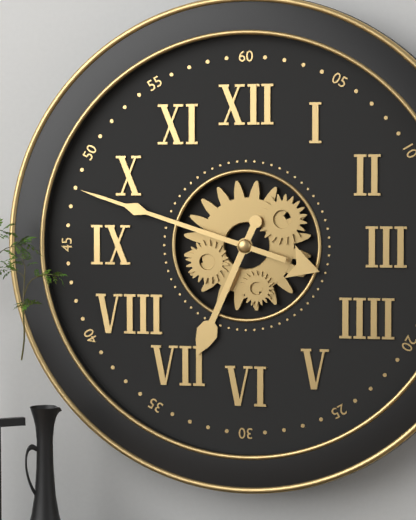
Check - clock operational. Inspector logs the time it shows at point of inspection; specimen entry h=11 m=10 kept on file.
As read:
h=6 m=48
